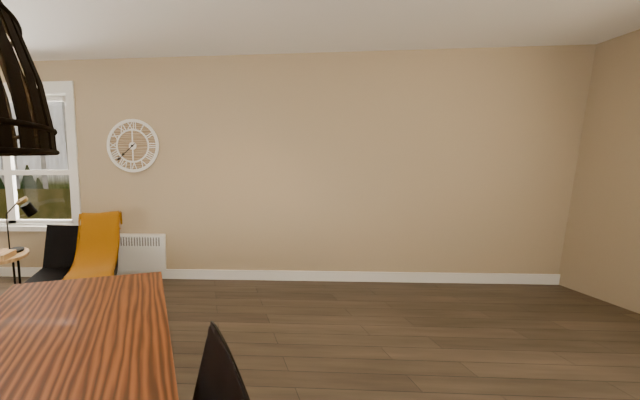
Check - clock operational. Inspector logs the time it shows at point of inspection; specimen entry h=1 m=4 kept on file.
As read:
h=7 m=38
